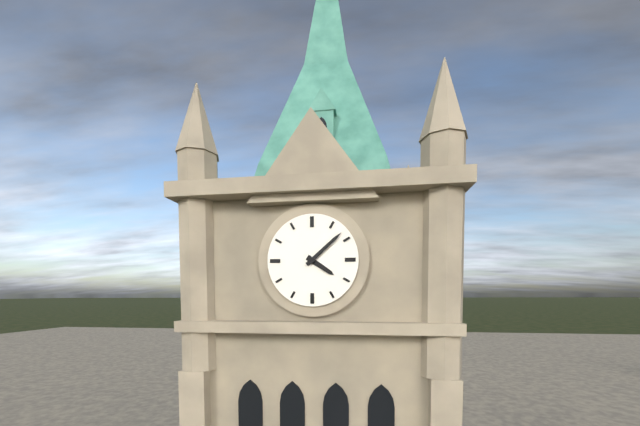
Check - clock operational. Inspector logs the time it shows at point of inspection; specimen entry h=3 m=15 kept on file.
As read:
h=4 m=8
